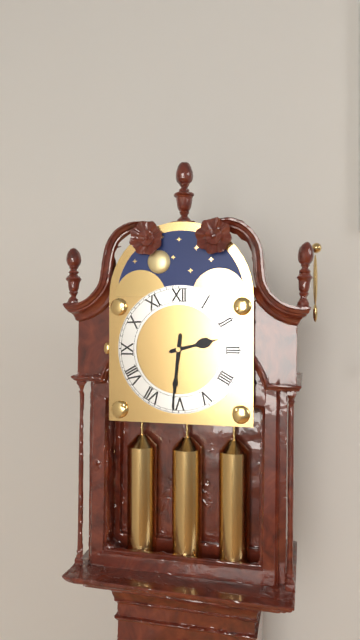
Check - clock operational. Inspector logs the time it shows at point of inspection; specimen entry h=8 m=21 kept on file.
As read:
h=2 m=31
